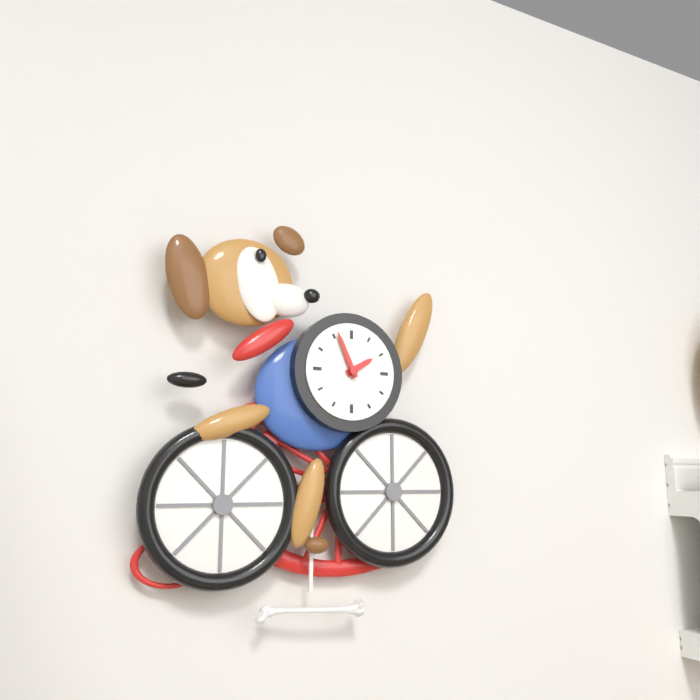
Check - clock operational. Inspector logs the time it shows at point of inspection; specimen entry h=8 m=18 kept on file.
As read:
h=1 m=56
